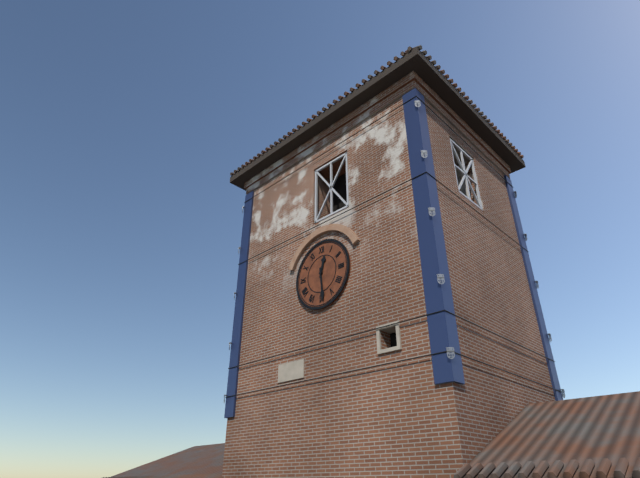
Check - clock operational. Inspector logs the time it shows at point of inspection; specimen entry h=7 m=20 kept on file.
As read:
h=12 m=29
